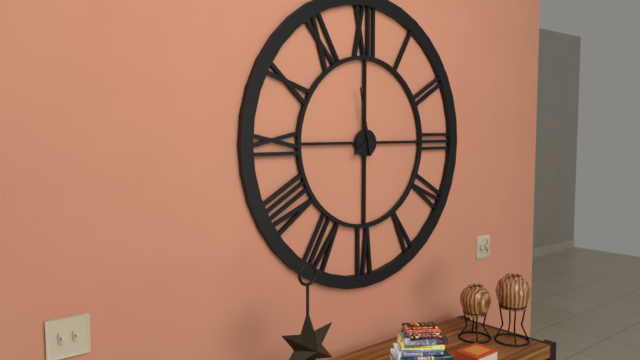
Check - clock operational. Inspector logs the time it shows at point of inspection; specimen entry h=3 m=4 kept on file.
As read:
h=7 m=58
